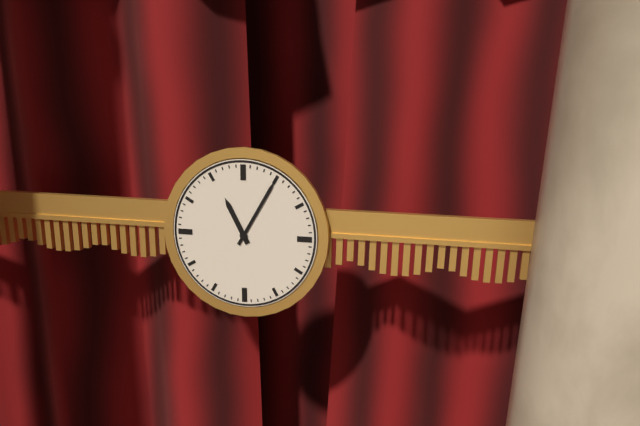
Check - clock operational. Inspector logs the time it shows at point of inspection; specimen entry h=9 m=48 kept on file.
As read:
h=11 m=5
